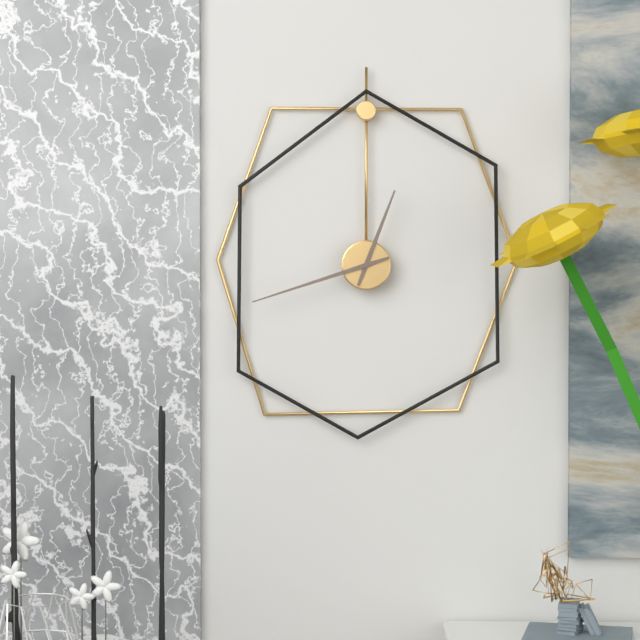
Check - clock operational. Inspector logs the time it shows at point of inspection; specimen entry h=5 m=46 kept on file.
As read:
h=12 m=42
